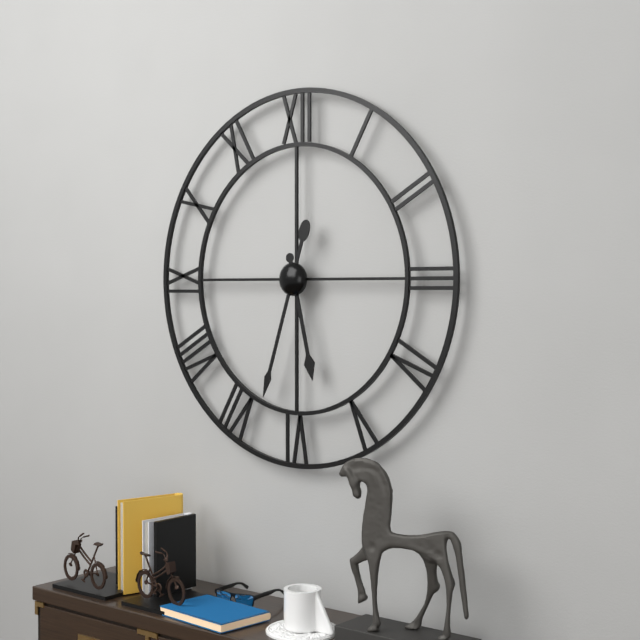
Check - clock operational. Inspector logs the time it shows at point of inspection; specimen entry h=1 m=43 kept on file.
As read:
h=5 m=33
